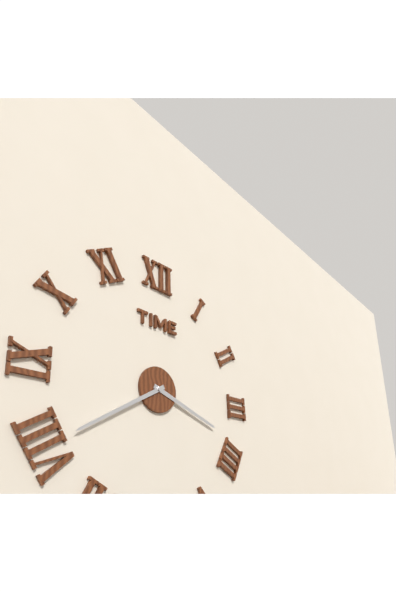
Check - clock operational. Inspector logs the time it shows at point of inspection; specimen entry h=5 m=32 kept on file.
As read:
h=3 m=40
